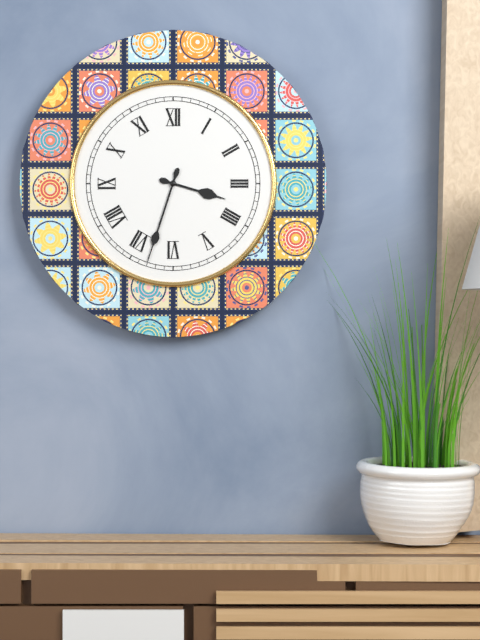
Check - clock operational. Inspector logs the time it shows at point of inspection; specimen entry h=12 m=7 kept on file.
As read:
h=3 m=33
